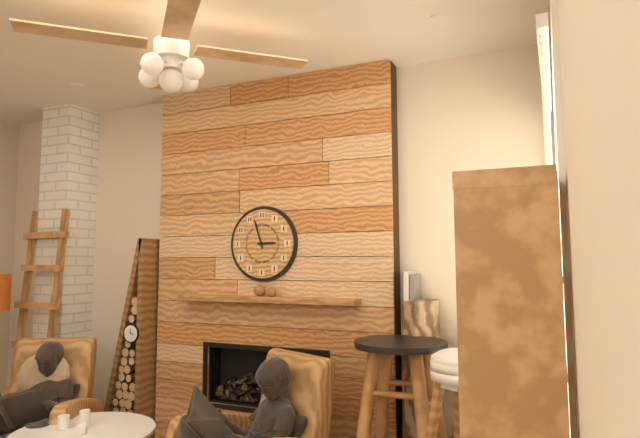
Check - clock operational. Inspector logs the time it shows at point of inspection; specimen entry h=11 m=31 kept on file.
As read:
h=2 m=57
